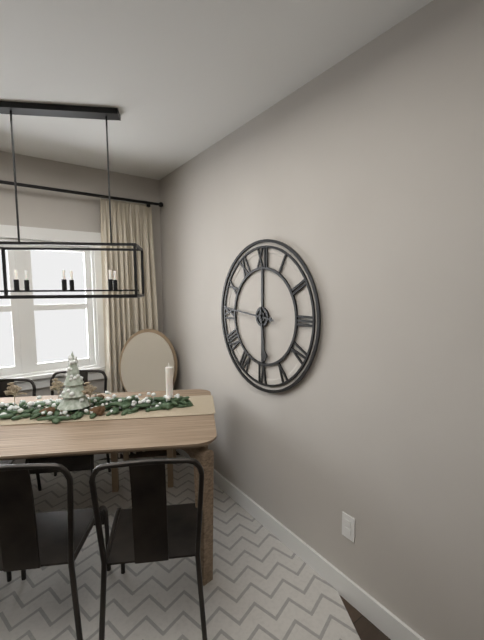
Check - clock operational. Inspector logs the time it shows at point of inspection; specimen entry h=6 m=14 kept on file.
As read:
h=5 m=46
